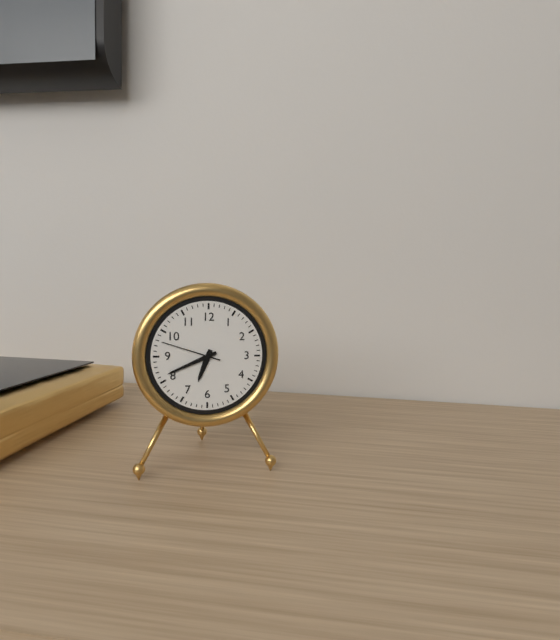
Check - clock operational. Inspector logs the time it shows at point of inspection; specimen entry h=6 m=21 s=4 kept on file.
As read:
h=6 m=41 s=48
